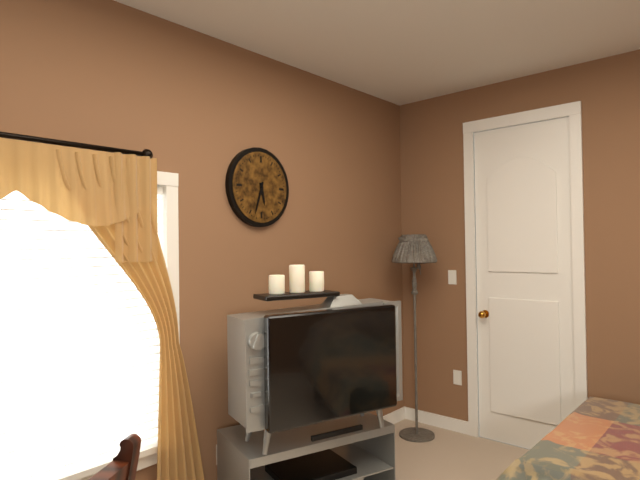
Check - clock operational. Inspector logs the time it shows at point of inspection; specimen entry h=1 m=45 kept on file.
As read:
h=5 m=33
